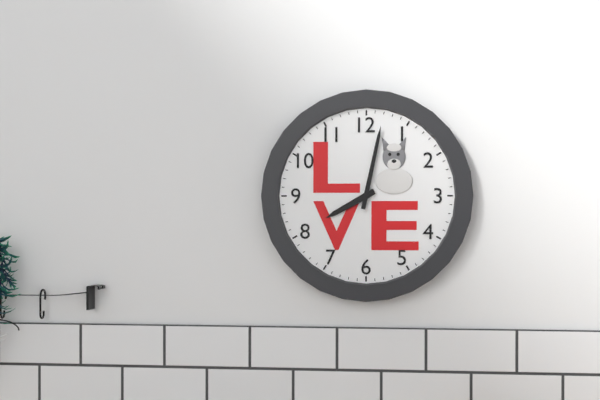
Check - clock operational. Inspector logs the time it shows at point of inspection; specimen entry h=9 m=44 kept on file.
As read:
h=8 m=2
